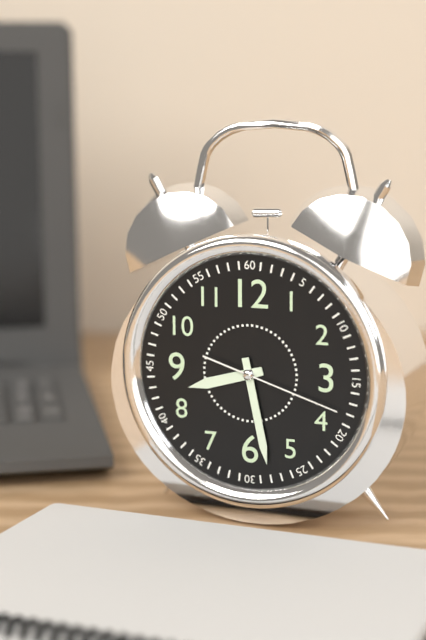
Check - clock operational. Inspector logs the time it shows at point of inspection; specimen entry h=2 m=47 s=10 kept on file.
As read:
h=8 m=28 s=18
